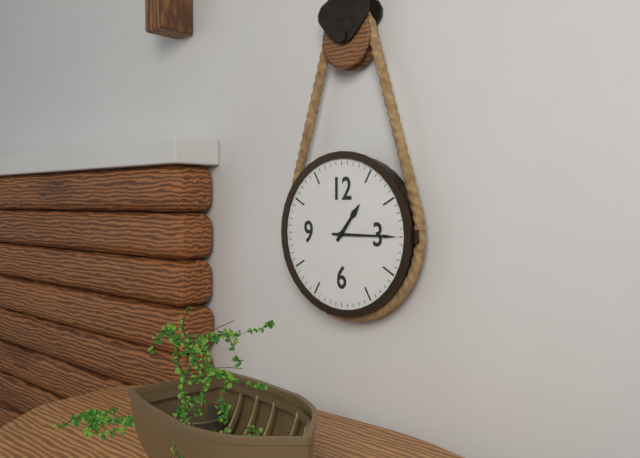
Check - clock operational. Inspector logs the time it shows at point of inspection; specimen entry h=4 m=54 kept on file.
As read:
h=1 m=15
